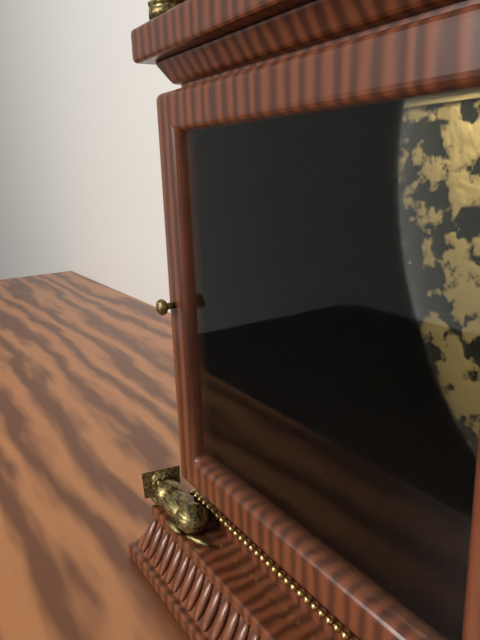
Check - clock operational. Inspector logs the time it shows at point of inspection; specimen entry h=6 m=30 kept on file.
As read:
h=3 m=39
